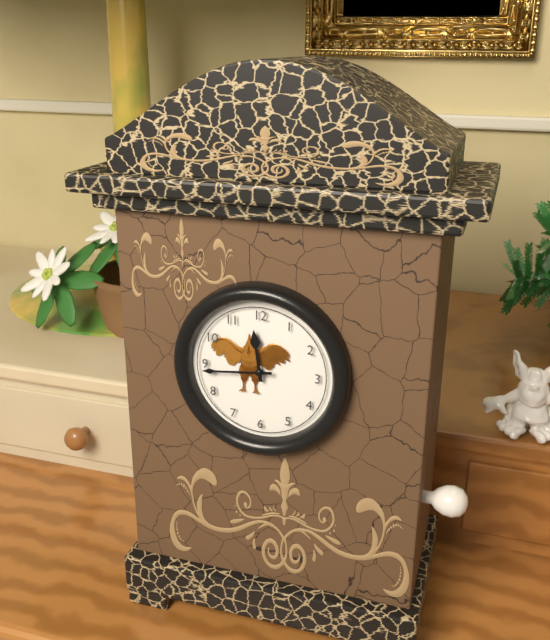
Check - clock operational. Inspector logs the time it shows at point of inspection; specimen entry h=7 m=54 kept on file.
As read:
h=11 m=44
